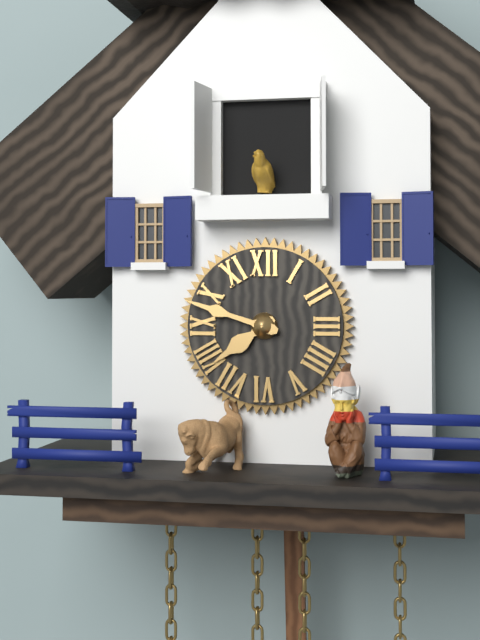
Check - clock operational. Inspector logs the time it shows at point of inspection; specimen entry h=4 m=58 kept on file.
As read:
h=7 m=48
